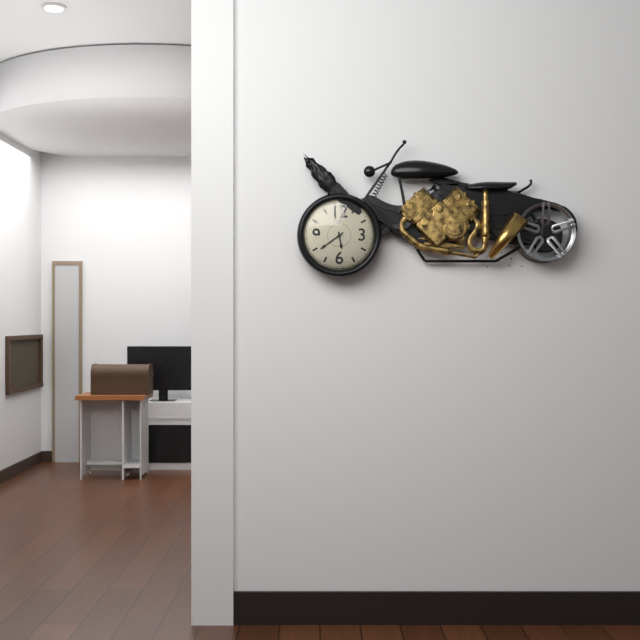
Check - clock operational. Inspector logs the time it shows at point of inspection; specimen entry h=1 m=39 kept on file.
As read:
h=5 m=39
